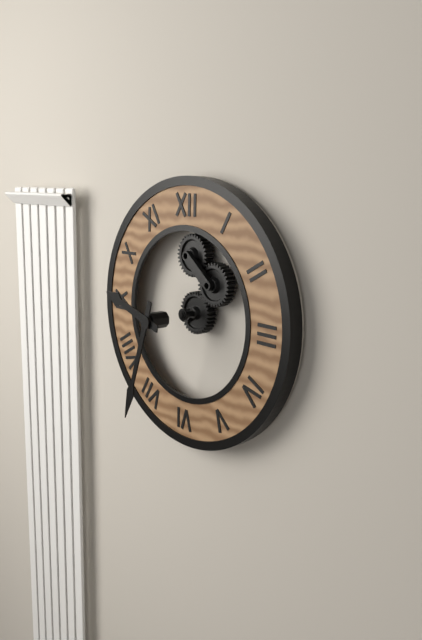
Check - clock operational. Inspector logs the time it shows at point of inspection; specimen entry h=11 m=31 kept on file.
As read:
h=9 m=33
